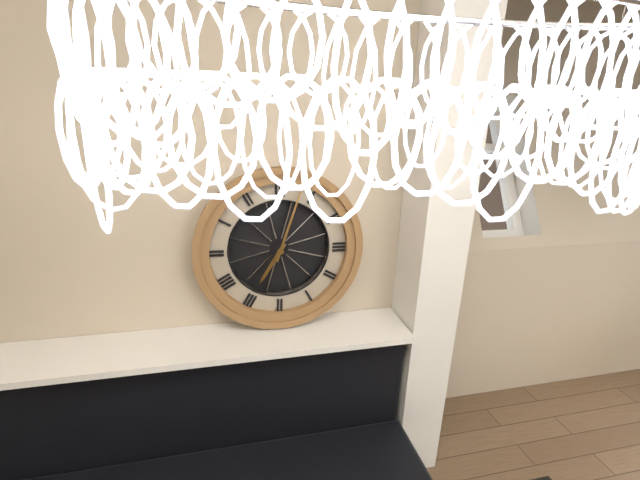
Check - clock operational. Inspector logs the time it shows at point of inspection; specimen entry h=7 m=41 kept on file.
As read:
h=7 m=3
